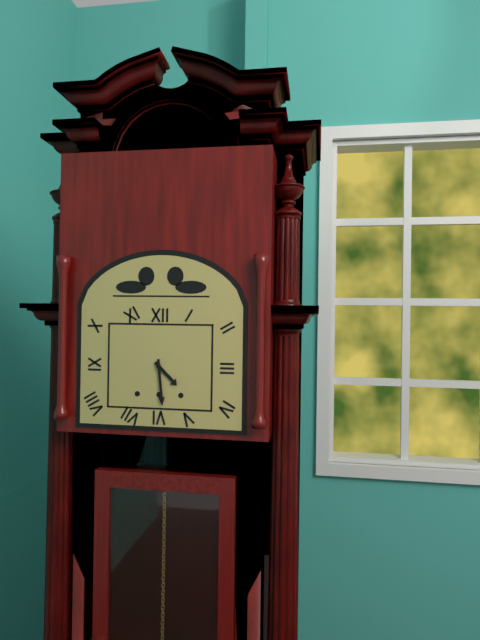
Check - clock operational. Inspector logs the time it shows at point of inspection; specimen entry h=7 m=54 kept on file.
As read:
h=4 m=29
